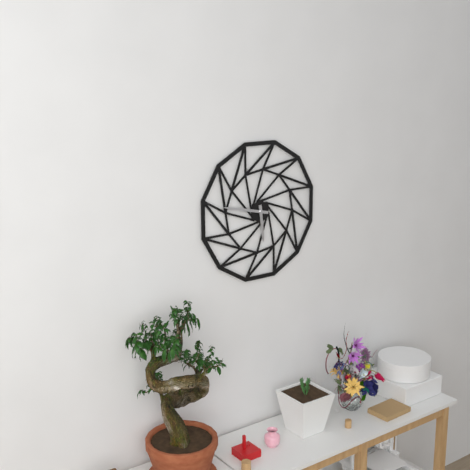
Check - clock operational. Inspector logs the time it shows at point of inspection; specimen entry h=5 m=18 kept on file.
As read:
h=5 m=47
